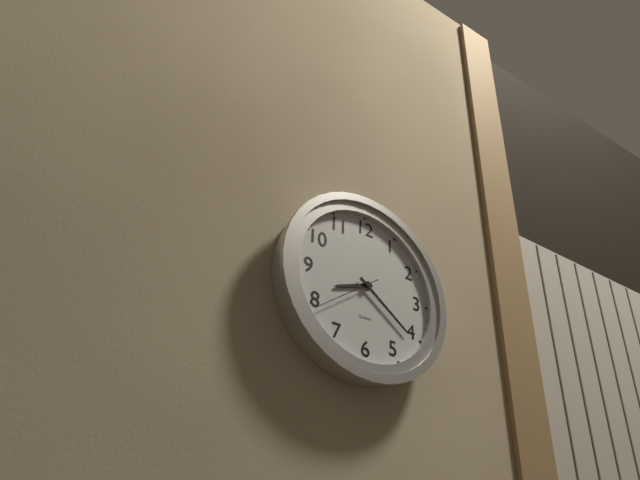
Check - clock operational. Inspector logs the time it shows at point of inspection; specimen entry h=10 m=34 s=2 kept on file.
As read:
h=8 m=21 s=39
